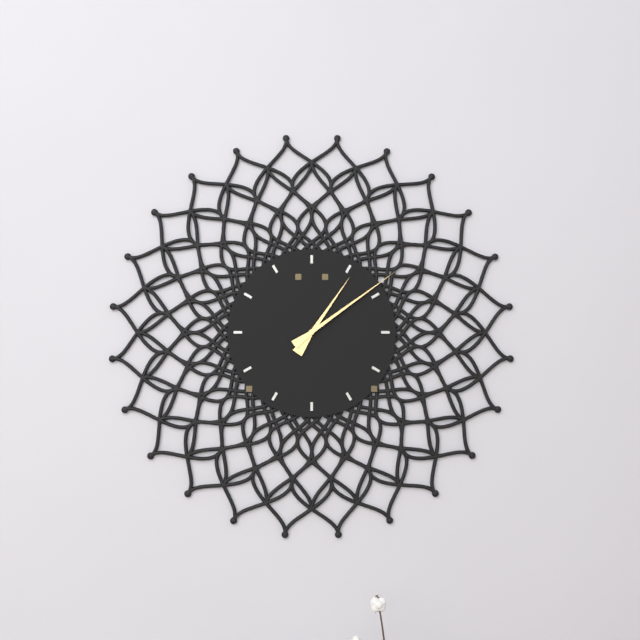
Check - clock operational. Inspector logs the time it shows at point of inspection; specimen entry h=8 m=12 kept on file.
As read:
h=1 m=9
